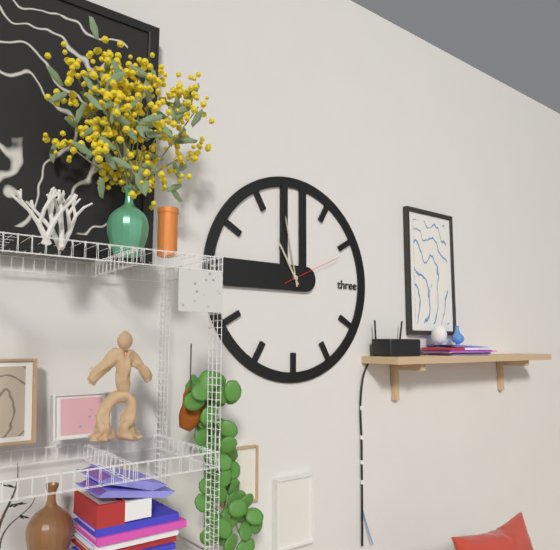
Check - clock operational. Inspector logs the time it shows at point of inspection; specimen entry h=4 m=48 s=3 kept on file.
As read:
h=10 m=58 s=11
